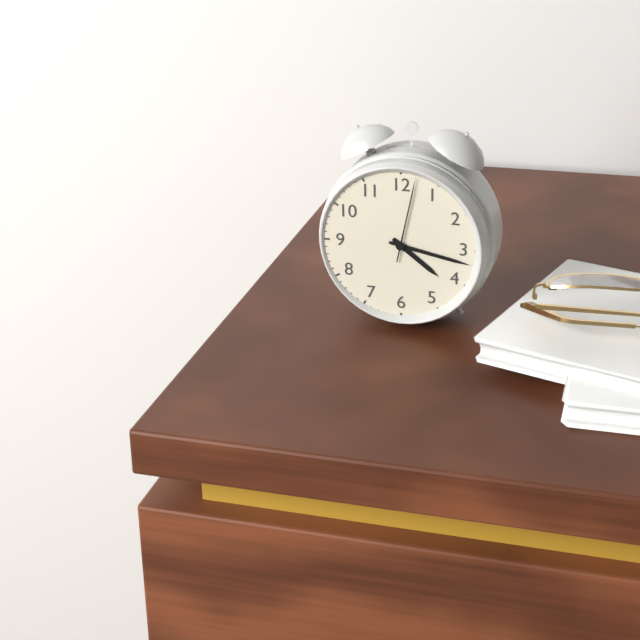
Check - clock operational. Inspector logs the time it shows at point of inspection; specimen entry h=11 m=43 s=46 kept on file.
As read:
h=4 m=17 s=2
